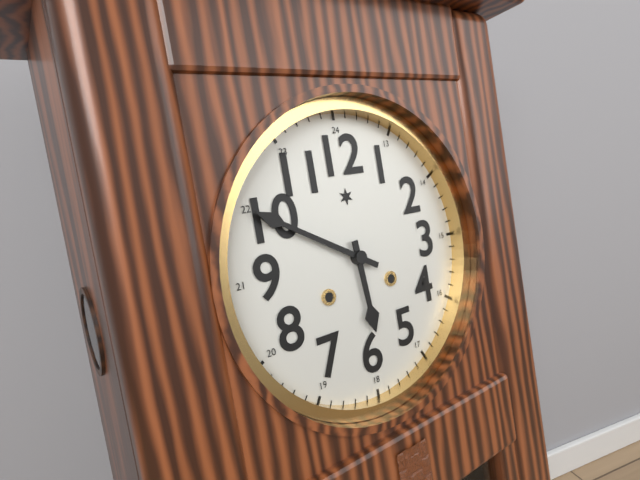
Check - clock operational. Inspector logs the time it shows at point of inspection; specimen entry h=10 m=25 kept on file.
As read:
h=5 m=50
